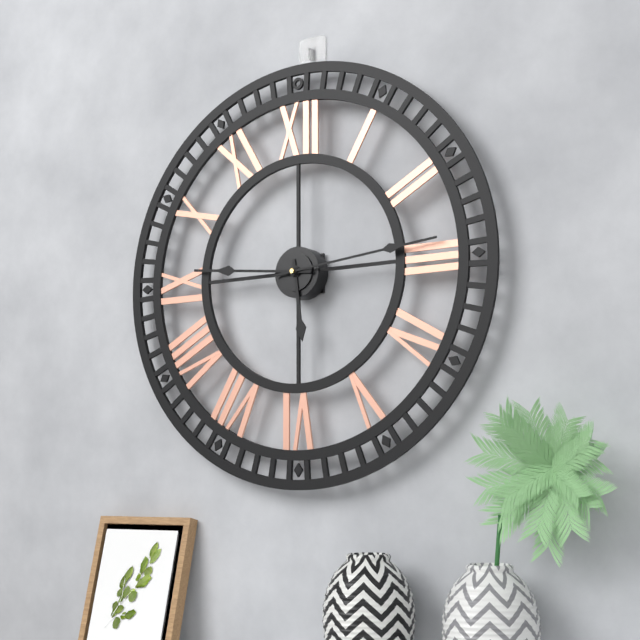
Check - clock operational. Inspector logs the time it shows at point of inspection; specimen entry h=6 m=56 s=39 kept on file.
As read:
h=5 m=46 s=14
